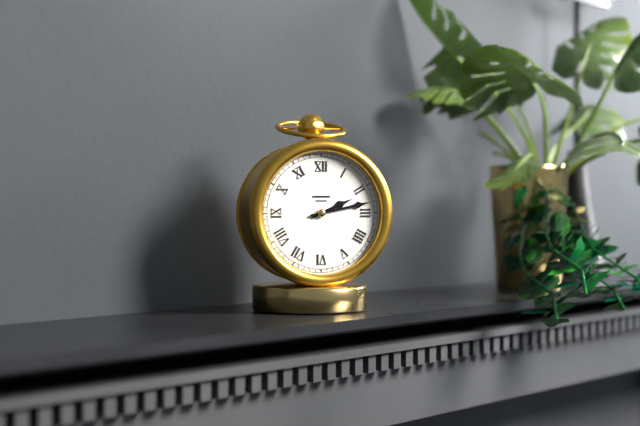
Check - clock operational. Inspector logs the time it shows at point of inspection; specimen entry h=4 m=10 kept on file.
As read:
h=2 m=13
